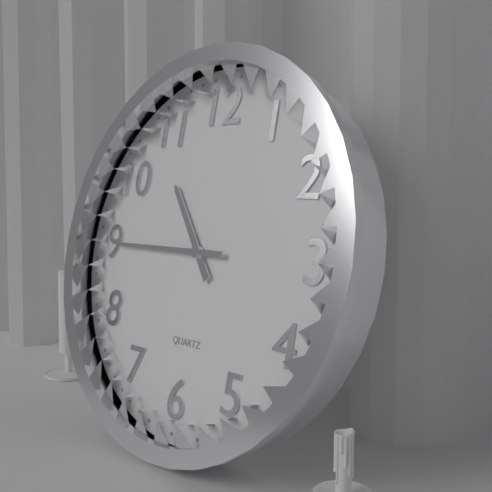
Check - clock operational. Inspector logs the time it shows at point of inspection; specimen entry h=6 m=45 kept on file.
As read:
h=10 m=45
